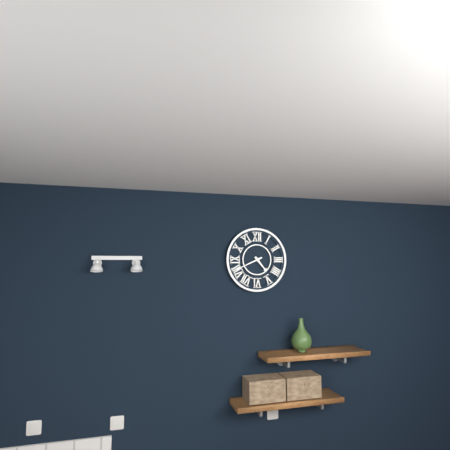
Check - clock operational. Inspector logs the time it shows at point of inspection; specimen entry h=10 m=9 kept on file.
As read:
h=4 m=41
